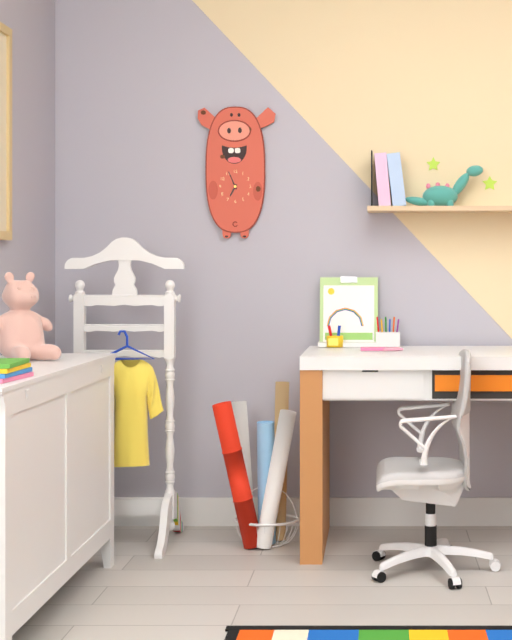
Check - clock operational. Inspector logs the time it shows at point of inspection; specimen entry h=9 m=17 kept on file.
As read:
h=6 m=56
